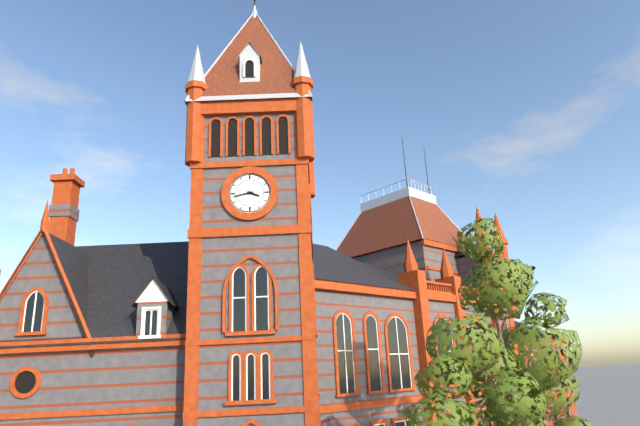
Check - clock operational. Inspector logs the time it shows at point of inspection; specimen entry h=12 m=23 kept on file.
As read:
h=3 m=43
